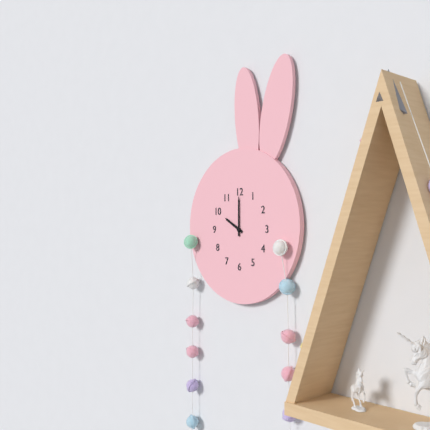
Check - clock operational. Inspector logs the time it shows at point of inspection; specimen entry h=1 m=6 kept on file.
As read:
h=10 m=0
